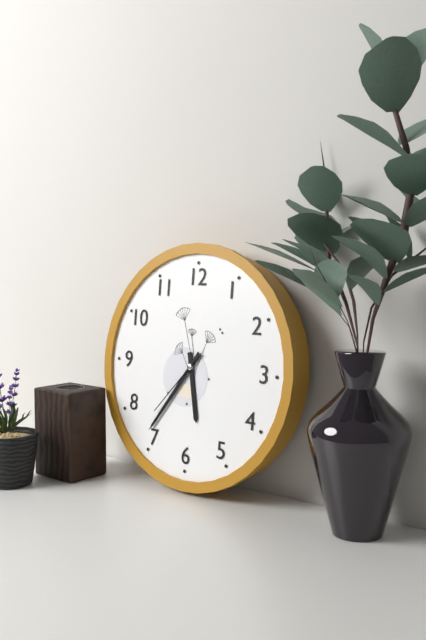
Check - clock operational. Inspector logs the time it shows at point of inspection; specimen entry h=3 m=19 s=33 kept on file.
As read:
h=5 m=36 s=37
